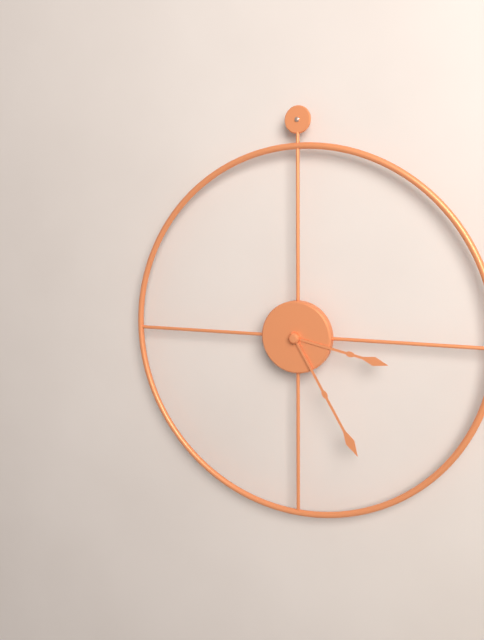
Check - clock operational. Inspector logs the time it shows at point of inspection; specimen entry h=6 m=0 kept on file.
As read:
h=3 m=25
